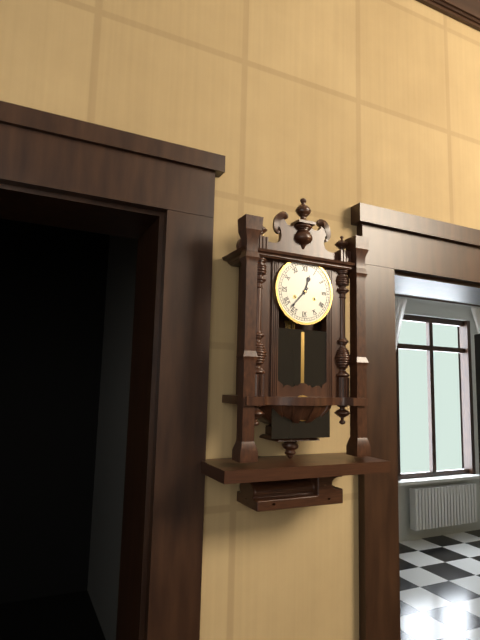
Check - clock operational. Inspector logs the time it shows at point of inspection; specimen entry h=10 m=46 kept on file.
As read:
h=12 m=37
